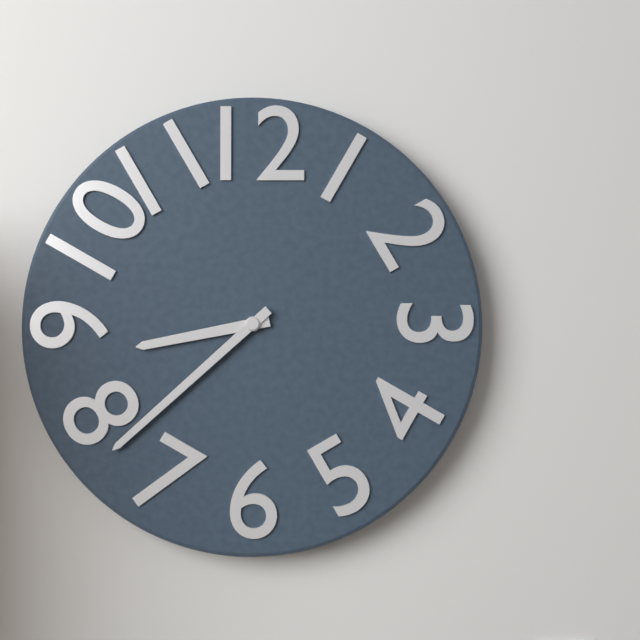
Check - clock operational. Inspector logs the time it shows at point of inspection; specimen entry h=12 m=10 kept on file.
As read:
h=8 m=38
